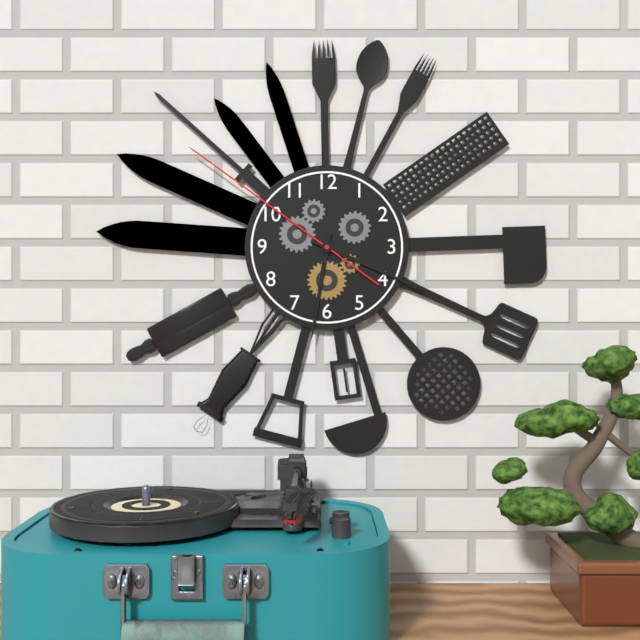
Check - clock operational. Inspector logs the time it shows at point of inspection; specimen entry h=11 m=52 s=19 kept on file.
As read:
h=6 m=19 s=51
